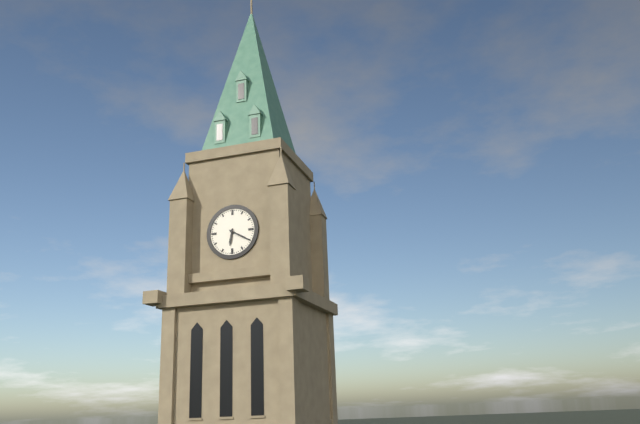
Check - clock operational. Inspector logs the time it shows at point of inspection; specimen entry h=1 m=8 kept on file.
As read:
h=6 m=20
